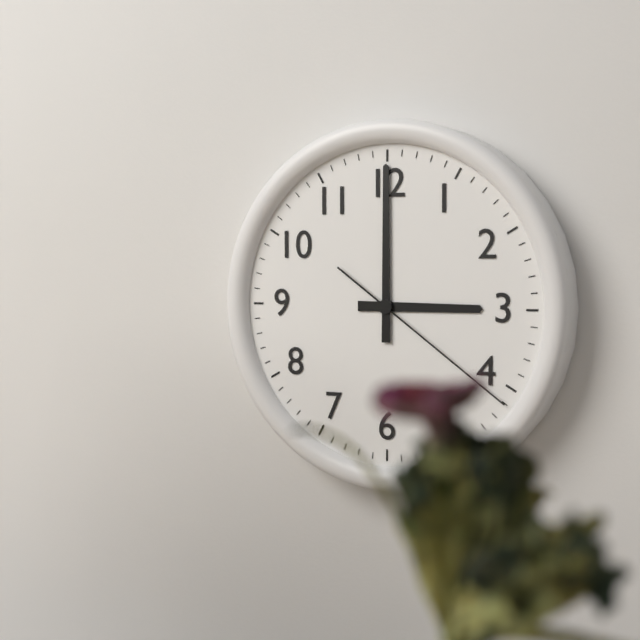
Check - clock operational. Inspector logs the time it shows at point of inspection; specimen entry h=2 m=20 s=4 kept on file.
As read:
h=3 m=0 s=21
